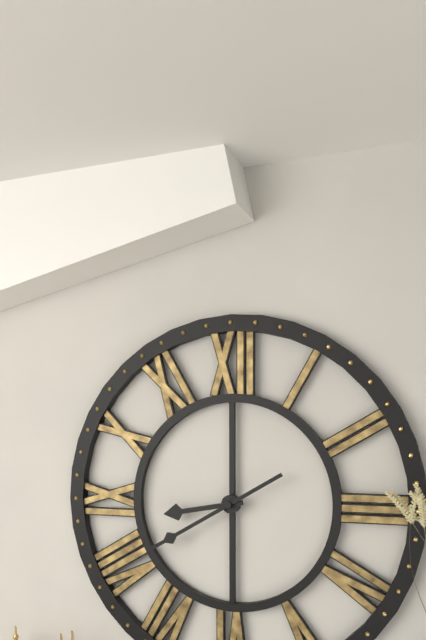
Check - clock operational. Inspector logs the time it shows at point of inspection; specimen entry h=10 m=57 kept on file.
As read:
h=8 m=40
